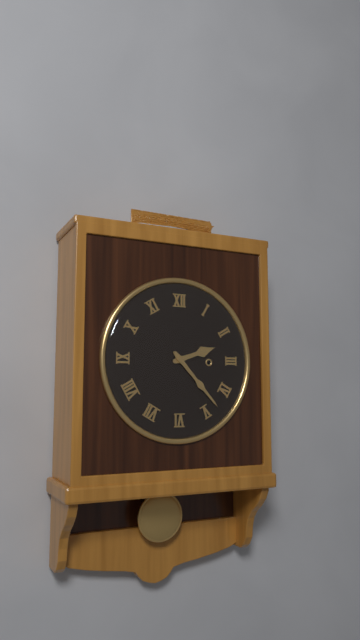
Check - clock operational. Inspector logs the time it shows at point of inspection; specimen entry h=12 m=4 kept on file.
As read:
h=2 m=23
